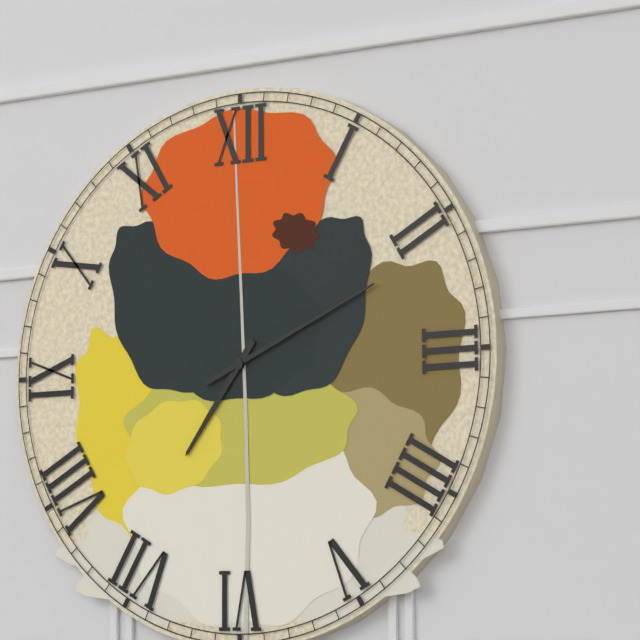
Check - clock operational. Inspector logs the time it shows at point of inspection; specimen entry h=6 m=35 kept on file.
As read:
h=7 m=11
